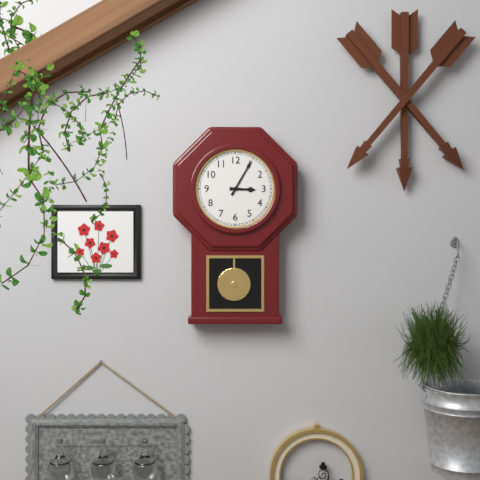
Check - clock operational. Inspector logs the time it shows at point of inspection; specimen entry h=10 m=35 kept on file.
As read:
h=3 m=5
